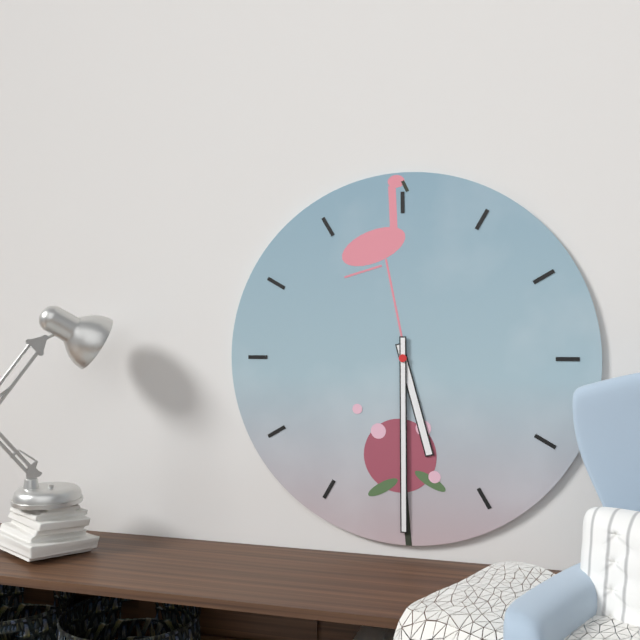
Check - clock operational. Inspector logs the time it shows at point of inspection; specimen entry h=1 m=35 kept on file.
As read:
h=5 m=30
